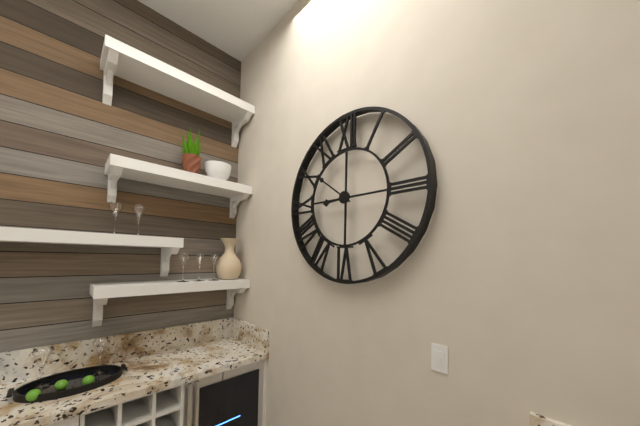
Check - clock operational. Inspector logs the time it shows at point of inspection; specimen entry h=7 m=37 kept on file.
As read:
h=8 m=51
